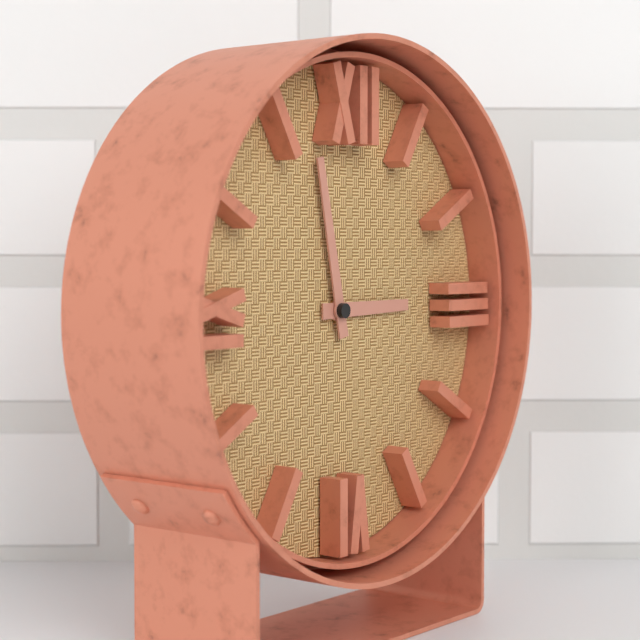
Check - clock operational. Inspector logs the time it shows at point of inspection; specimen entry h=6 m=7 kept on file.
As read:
h=2 m=58
